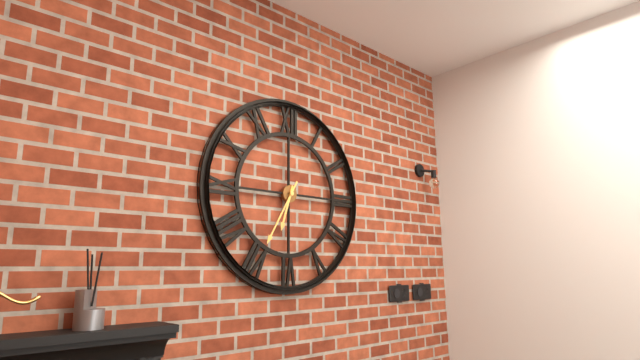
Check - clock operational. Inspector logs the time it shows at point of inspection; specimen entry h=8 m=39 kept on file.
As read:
h=6 m=35
